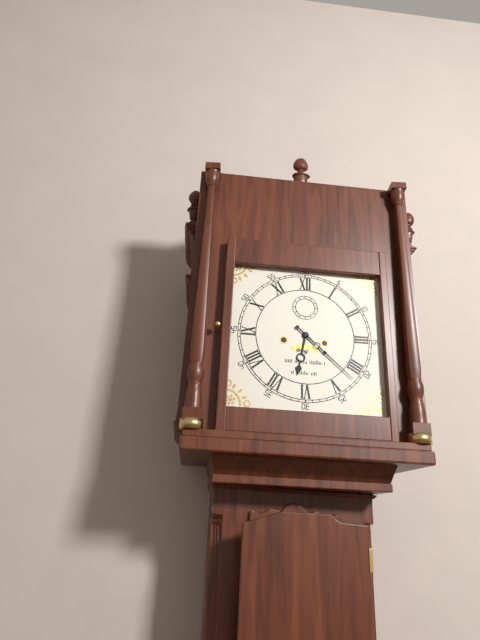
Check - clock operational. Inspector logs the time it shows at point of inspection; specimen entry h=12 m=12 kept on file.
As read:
h=6 m=22
